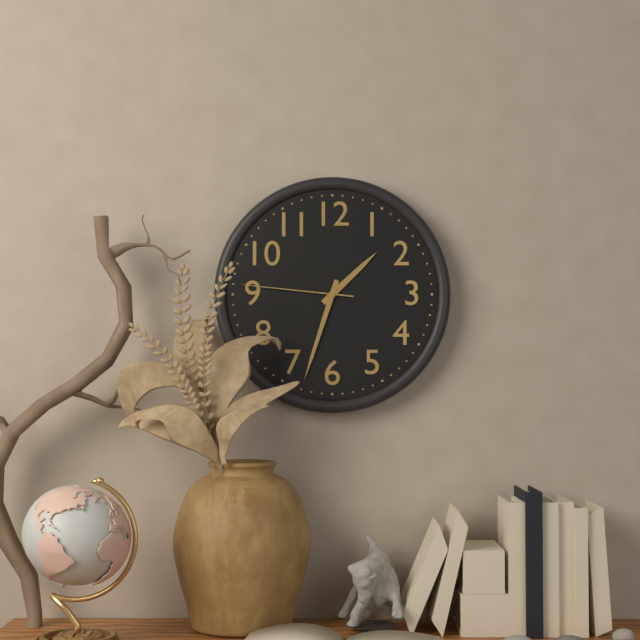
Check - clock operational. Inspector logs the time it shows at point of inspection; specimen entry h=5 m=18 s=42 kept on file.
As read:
h=1 m=33 s=46
